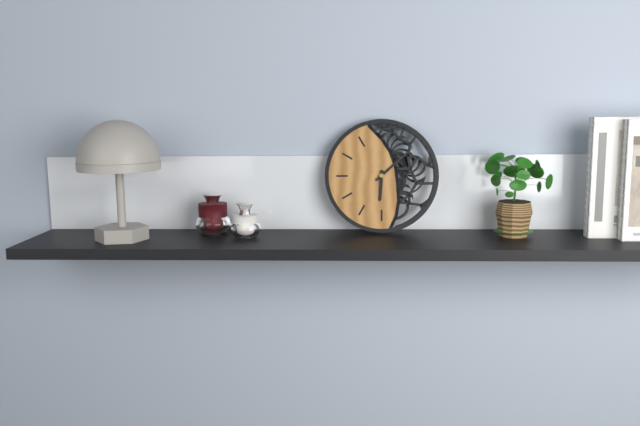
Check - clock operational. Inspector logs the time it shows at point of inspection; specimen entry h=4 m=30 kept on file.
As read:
h=6 m=8
